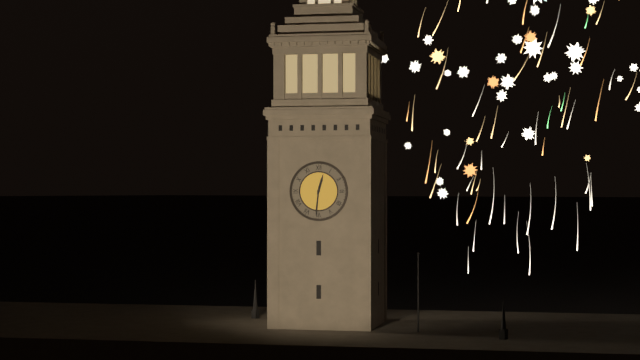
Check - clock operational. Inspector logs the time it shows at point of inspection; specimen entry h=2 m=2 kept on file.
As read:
h=12 m=31
